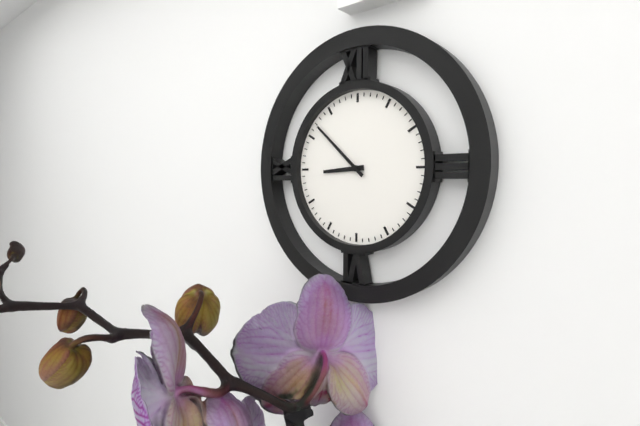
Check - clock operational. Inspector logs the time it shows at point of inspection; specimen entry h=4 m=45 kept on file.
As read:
h=8 m=52
